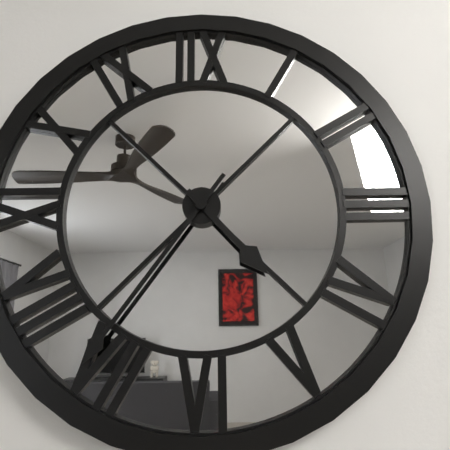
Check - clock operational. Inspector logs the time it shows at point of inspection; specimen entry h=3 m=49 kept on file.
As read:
h=4 m=36
